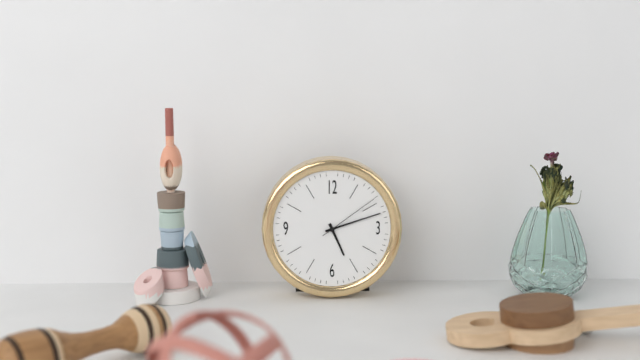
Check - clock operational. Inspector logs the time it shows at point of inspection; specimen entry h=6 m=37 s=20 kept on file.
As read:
h=5 m=12 s=9
